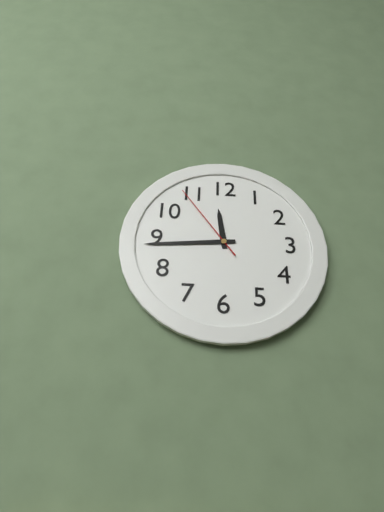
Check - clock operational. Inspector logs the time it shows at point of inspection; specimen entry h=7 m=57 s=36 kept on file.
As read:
h=11 m=44 s=54
